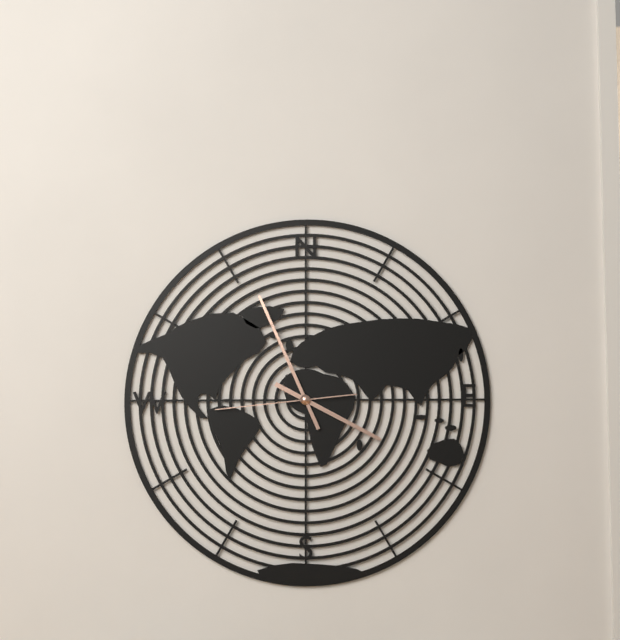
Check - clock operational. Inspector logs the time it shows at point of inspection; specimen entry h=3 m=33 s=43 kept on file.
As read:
h=3 m=56 s=44
